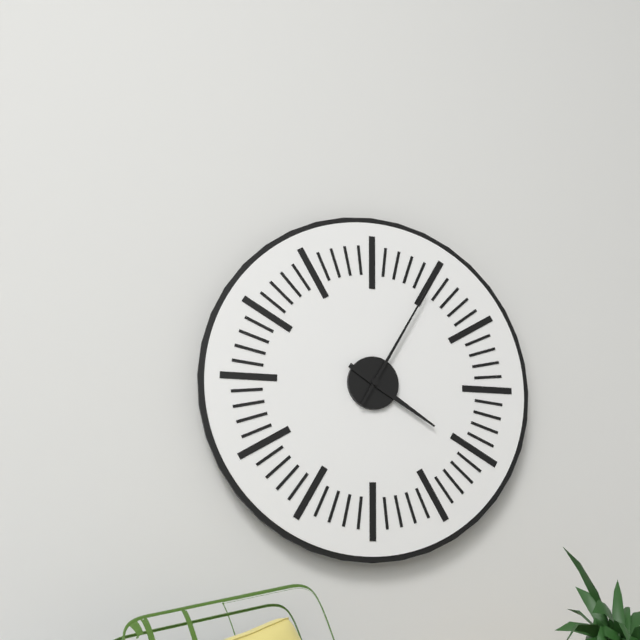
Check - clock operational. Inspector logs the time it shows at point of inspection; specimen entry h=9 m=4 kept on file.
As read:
h=4 m=5
